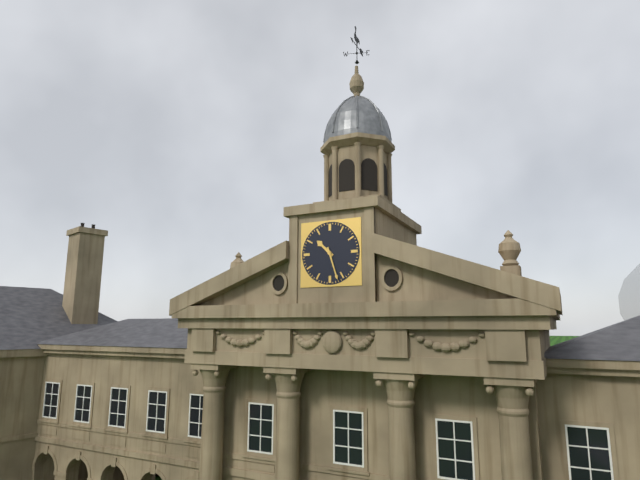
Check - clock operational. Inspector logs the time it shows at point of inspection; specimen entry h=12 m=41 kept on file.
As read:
h=10 m=27
